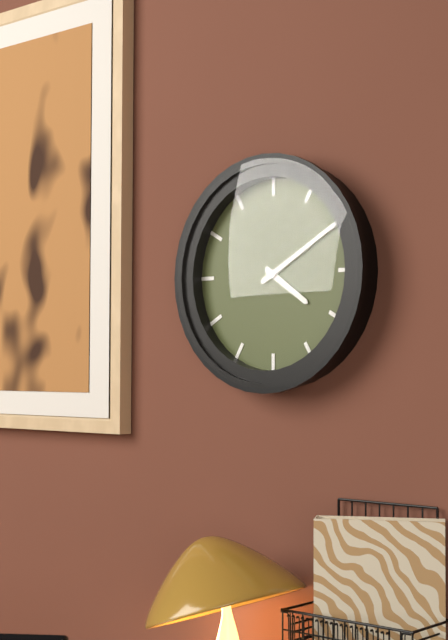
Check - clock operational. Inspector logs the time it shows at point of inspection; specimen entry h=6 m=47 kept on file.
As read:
h=4 m=10
